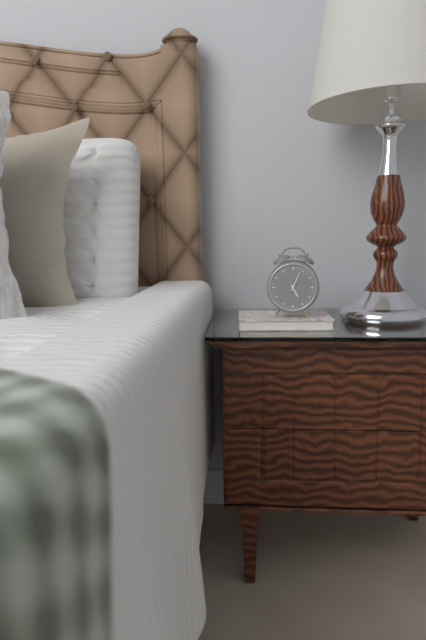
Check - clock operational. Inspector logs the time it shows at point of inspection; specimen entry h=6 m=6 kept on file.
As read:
h=5 m=4
